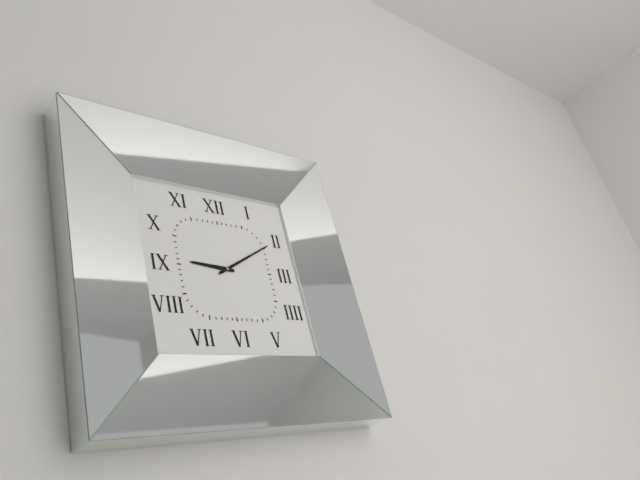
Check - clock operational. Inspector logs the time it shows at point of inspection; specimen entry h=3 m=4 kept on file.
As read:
h=9 m=10
